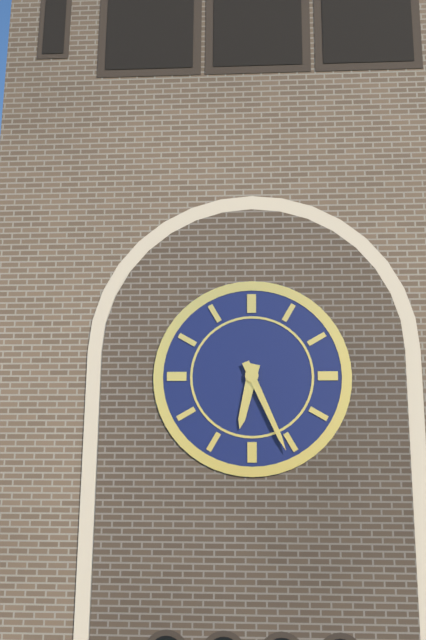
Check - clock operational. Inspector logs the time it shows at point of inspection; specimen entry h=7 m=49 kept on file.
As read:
h=6 m=26
